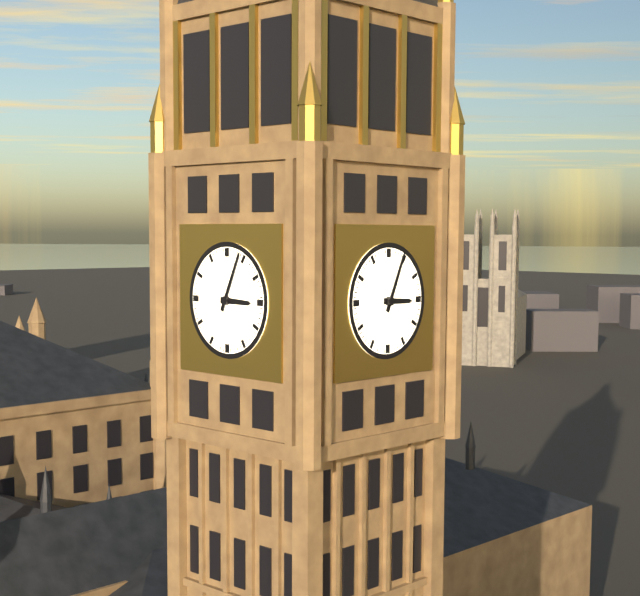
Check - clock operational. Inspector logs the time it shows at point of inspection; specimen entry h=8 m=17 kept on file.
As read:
h=3 m=4
